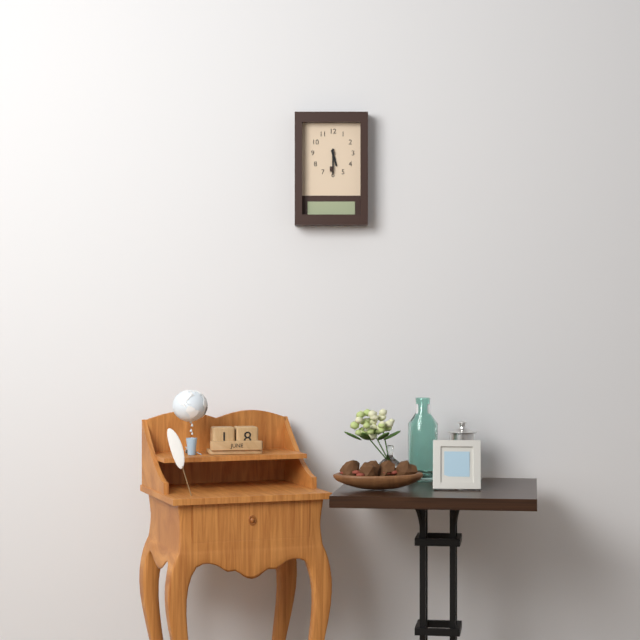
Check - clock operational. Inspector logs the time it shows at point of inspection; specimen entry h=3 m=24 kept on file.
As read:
h=5 m=30
